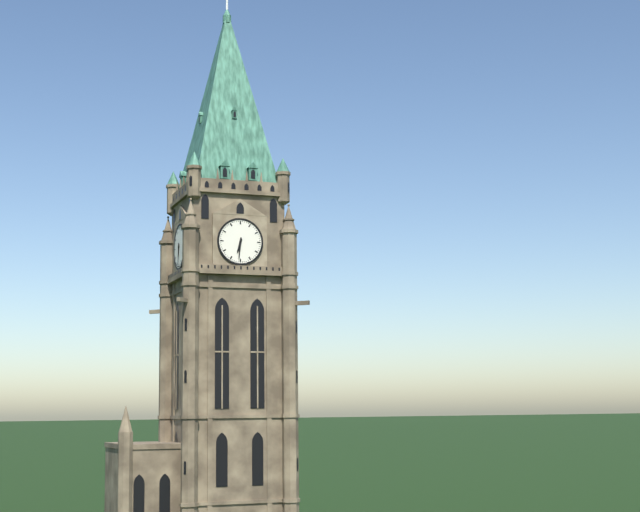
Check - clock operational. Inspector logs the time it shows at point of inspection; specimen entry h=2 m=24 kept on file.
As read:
h=6 m=31
